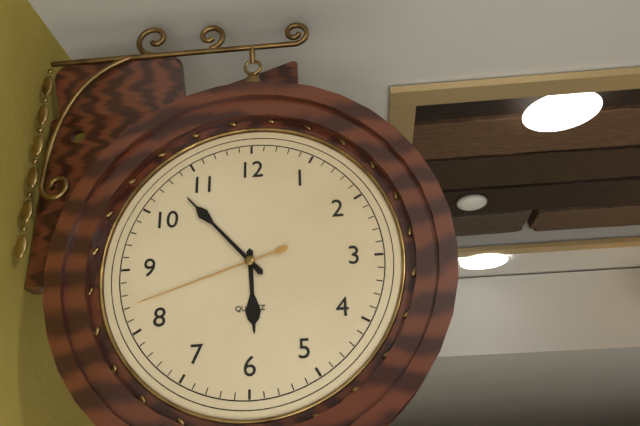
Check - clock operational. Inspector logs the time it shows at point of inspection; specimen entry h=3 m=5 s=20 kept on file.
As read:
h=5 m=53 s=42
